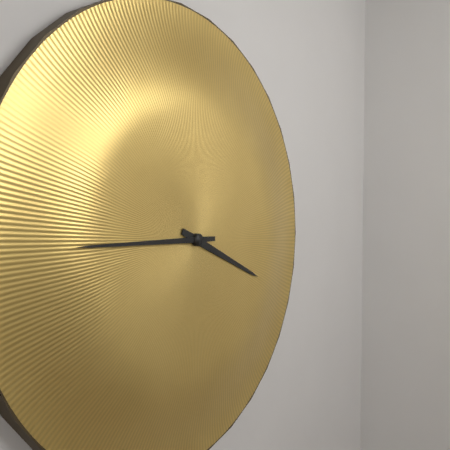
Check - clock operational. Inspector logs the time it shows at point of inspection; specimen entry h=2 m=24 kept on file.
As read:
h=3 m=45
